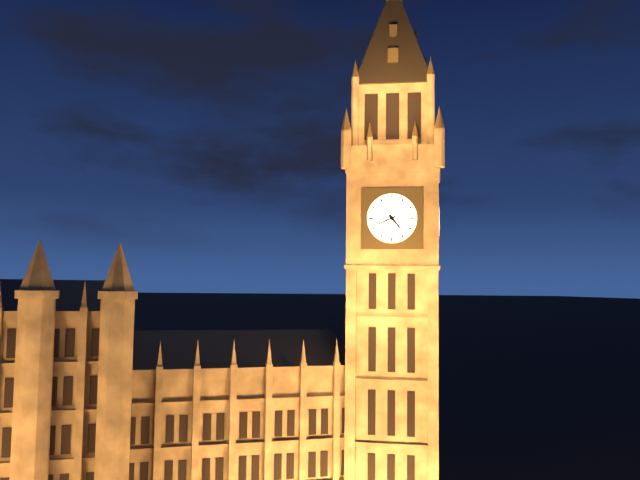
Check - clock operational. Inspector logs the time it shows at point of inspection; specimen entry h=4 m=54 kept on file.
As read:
h=4 m=41
